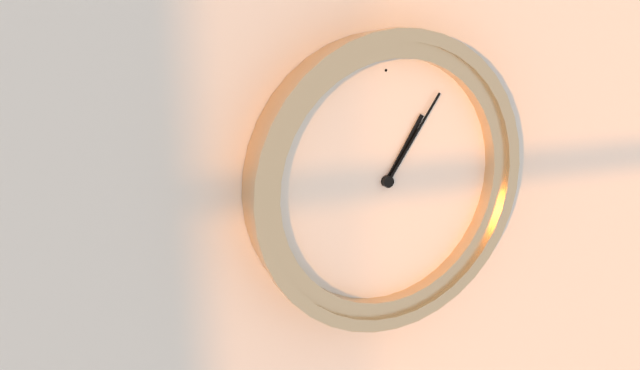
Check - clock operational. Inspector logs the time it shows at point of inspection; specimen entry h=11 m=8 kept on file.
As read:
h=1 m=6
